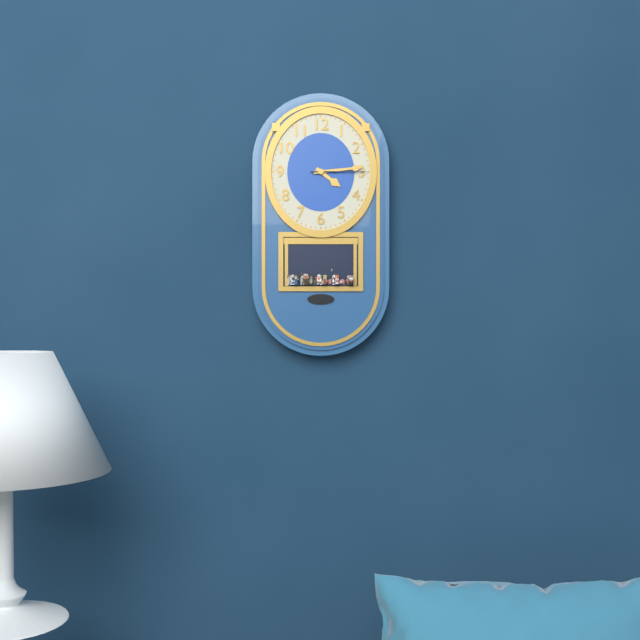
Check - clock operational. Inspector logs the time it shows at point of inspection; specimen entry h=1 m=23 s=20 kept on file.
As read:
h=4 m=14 s=15
